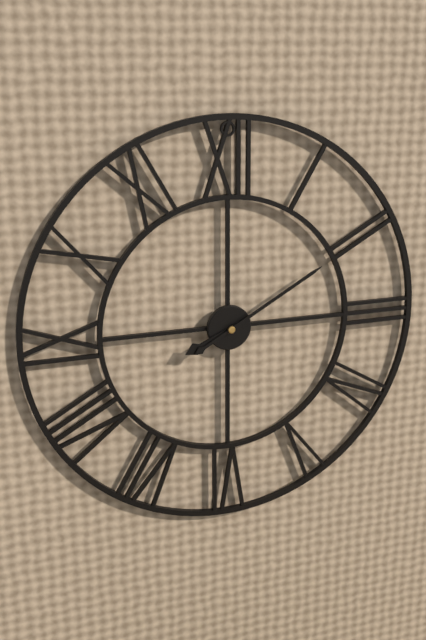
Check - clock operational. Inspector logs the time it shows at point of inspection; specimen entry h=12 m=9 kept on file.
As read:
h=8 m=10
